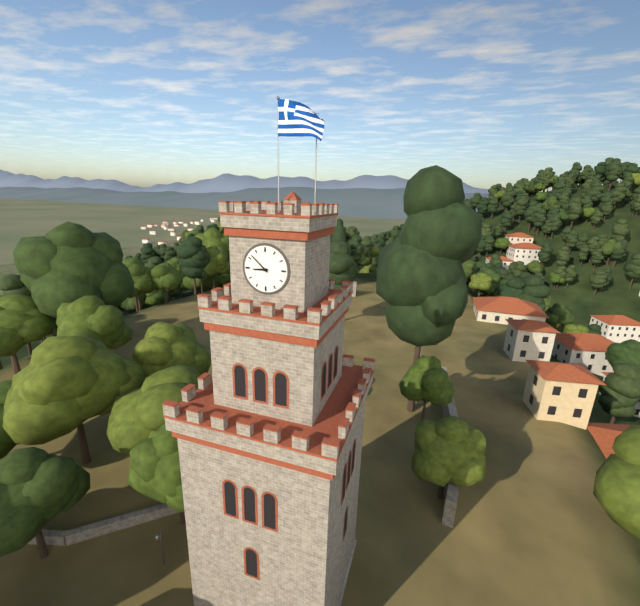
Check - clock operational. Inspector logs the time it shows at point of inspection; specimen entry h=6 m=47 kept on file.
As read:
h=8 m=52
